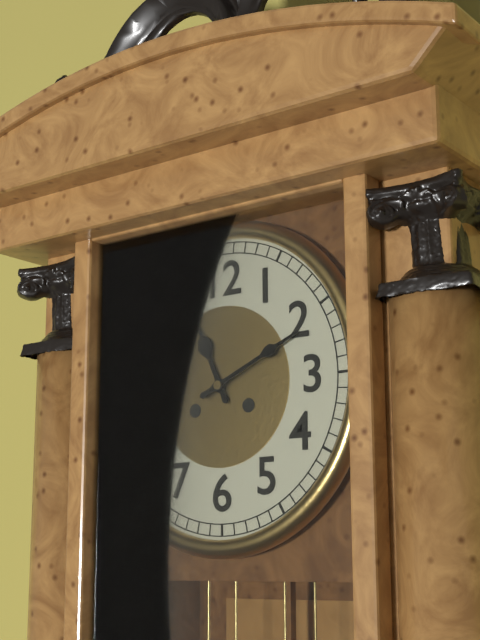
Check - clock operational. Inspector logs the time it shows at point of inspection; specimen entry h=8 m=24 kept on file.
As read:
h=11 m=11
